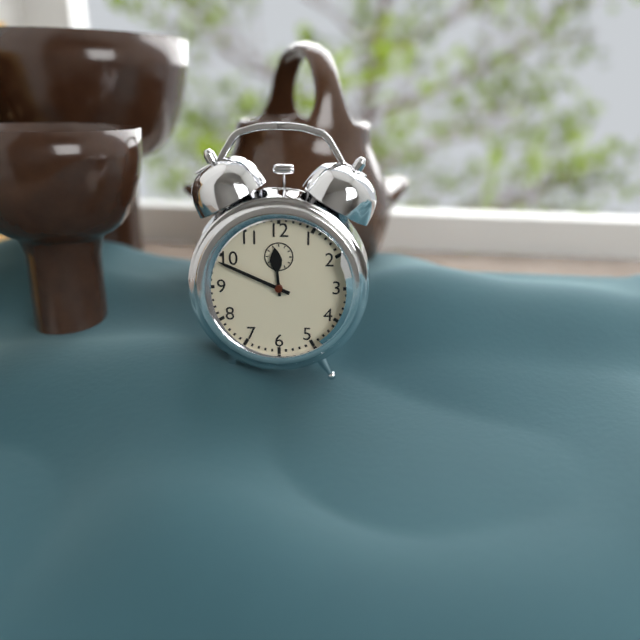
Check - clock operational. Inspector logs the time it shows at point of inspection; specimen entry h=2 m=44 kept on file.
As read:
h=11 m=49
